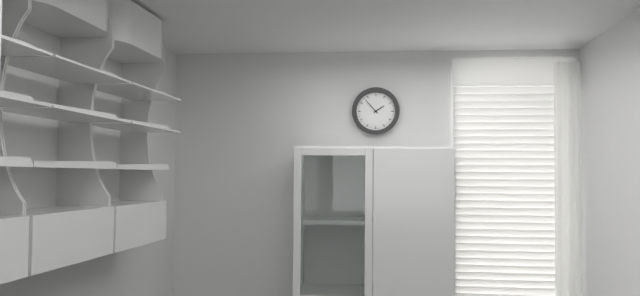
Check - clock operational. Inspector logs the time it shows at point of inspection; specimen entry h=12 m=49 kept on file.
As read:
h=1 m=53
